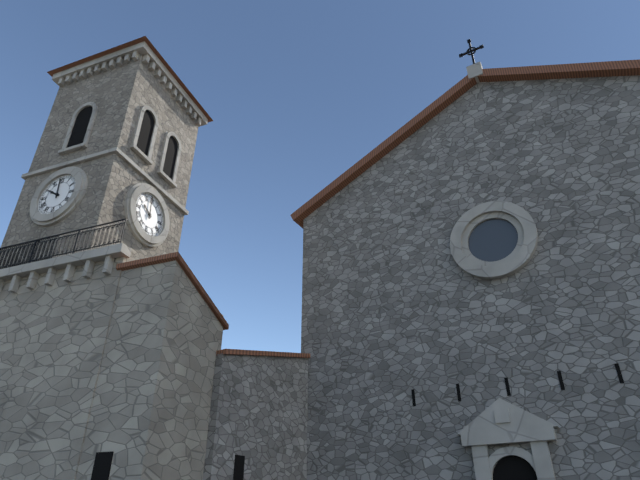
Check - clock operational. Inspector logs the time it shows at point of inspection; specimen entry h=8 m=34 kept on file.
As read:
h=9 m=59
